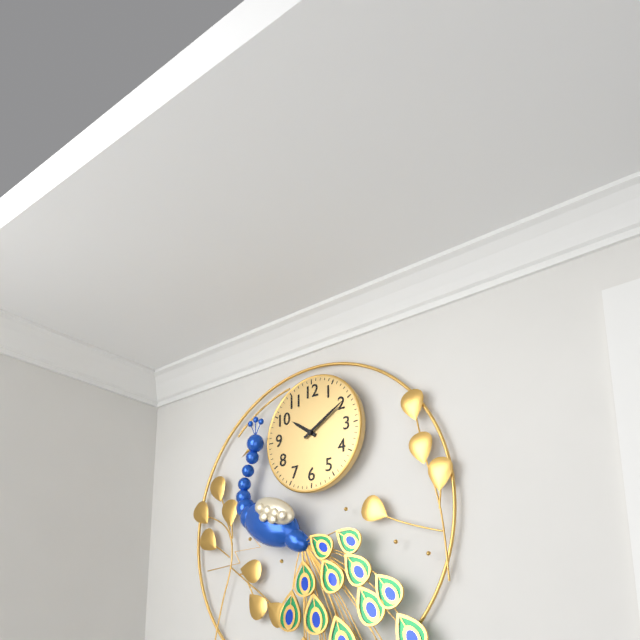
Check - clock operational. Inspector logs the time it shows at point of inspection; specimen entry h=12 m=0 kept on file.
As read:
h=10 m=10
